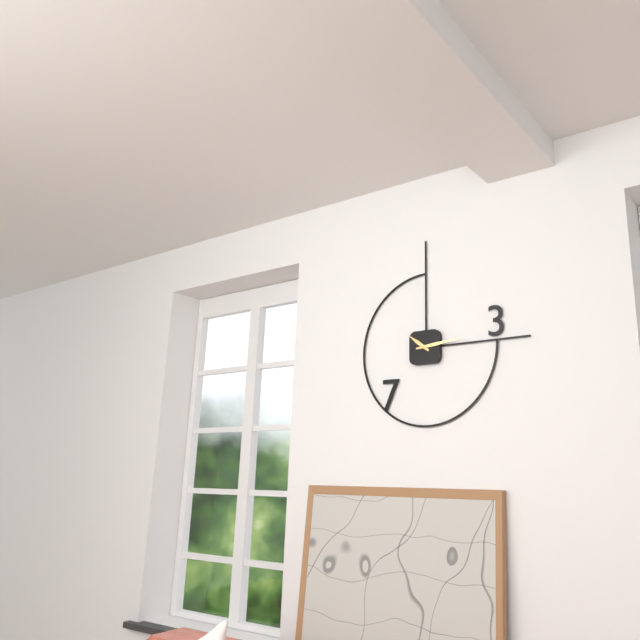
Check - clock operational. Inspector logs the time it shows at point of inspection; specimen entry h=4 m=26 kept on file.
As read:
h=10 m=14
